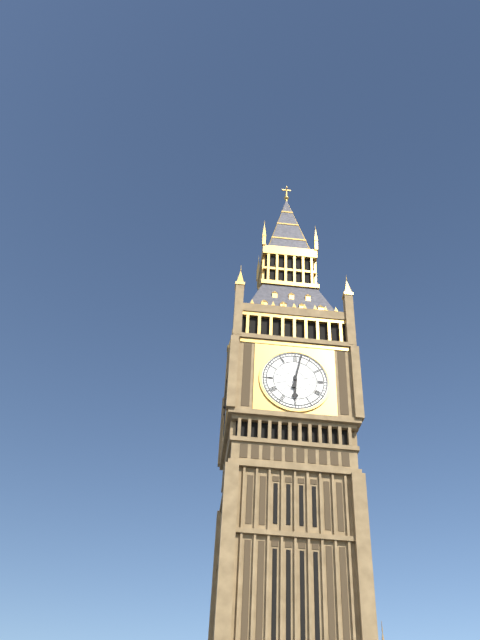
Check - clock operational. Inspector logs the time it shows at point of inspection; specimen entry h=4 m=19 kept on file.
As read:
h=6 m=2
